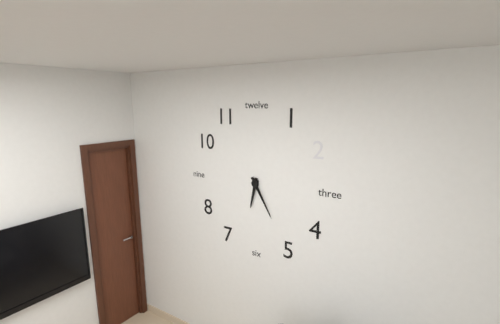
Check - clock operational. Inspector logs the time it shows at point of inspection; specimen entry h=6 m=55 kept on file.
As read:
h=6 m=25
